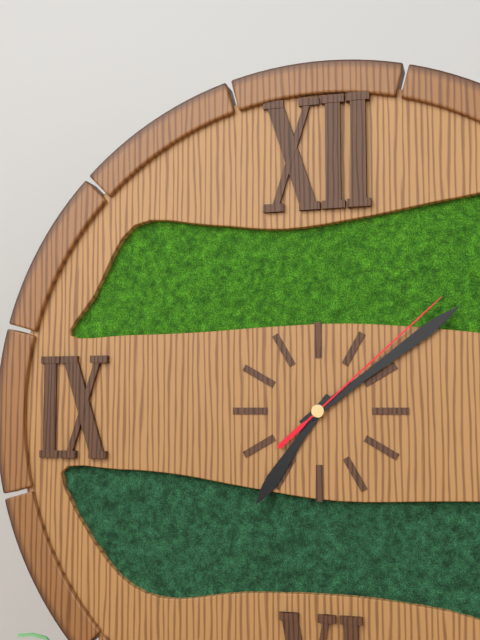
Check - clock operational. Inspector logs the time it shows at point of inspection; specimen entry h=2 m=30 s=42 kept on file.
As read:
h=7 m=9 s=8
